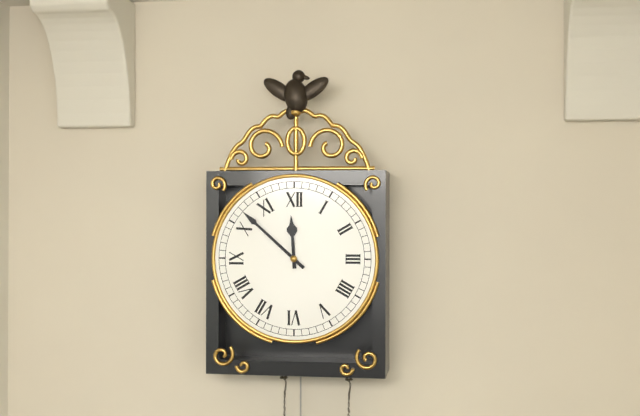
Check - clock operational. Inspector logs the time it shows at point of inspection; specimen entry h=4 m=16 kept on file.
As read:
h=11 m=52
